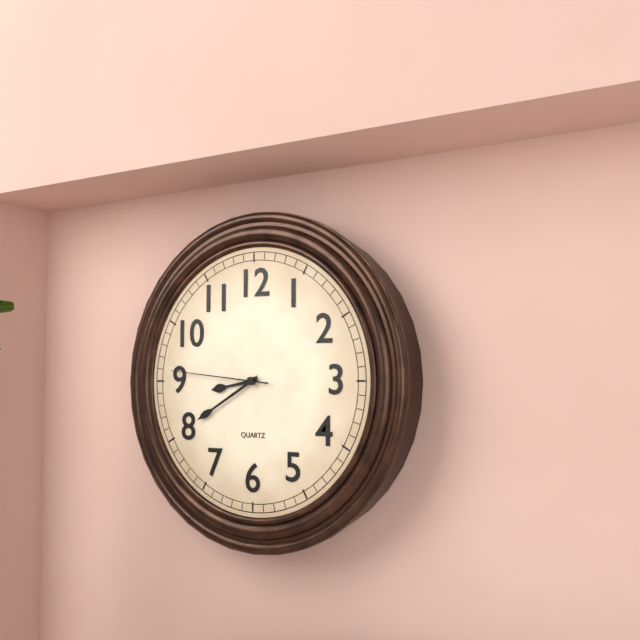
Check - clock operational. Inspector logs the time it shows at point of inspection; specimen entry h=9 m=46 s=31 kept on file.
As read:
h=8 m=40 s=46
